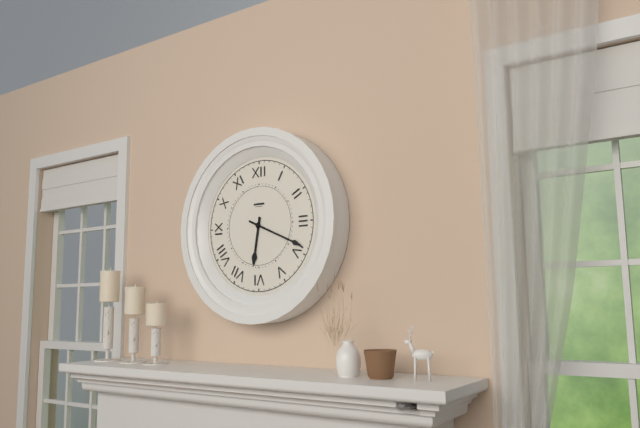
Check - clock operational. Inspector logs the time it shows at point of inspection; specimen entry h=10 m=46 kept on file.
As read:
h=6 m=19
